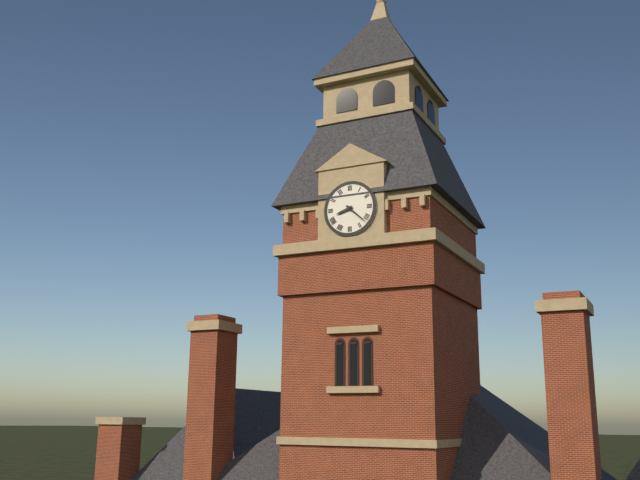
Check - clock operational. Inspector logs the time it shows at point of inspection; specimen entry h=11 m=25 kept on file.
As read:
h=8 m=22
